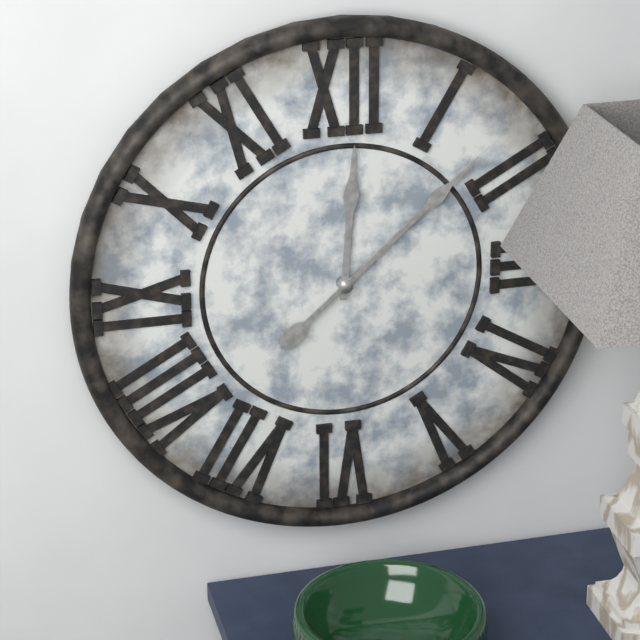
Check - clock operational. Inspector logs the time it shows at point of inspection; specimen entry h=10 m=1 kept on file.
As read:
h=12 m=8
